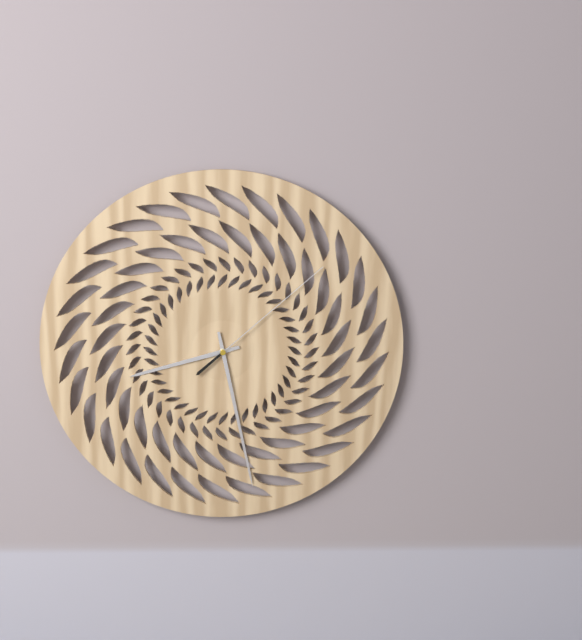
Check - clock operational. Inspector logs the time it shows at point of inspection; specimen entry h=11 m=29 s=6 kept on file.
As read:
h=8 m=28 s=8
